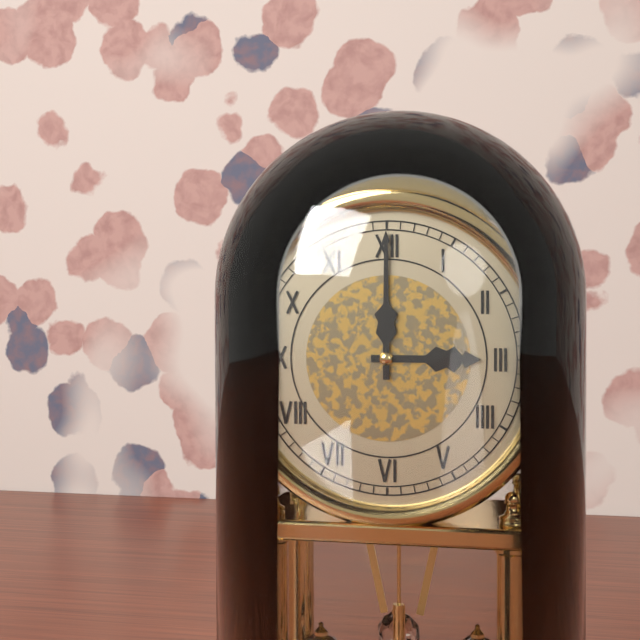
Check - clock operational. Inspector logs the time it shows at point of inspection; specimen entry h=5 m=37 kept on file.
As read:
h=3 m=0
